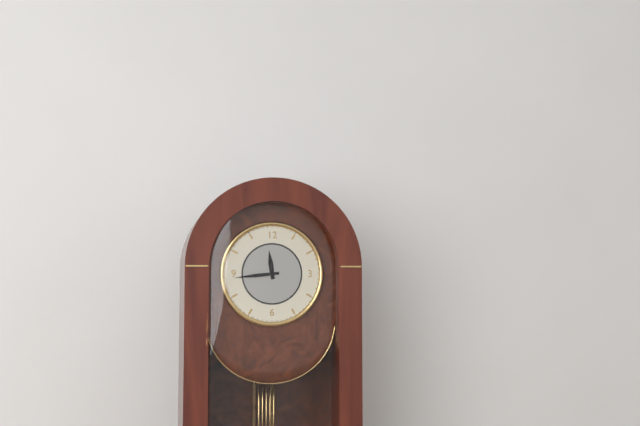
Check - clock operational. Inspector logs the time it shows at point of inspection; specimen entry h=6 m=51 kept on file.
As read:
h=11 m=44
